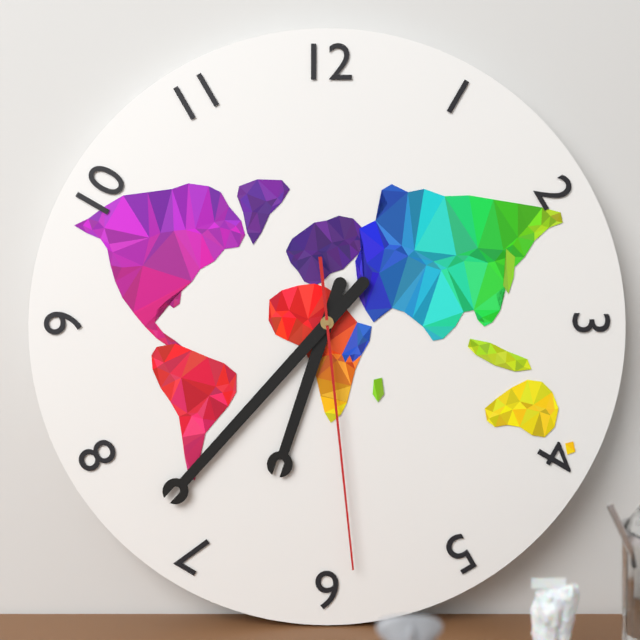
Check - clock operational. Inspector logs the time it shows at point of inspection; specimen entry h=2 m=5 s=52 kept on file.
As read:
h=6 m=37 s=29
